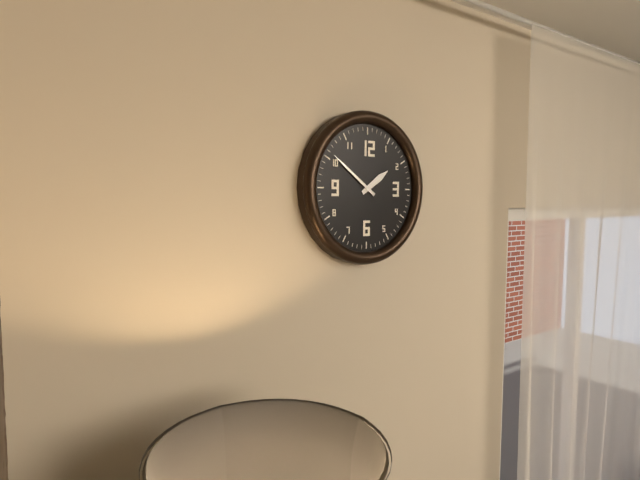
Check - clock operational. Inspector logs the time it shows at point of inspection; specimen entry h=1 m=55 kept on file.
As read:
h=1 m=51
